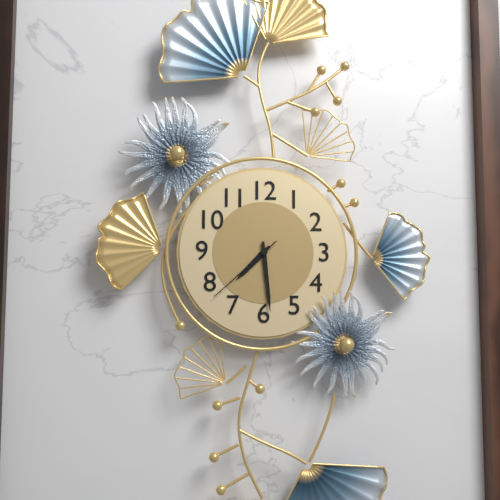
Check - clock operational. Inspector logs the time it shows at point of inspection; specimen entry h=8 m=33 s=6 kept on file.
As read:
h=7 m=29 s=38
